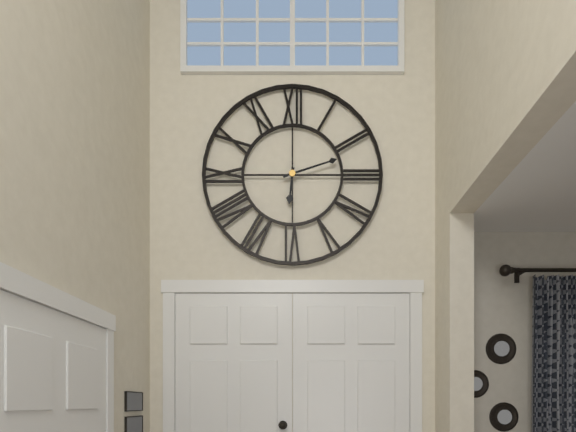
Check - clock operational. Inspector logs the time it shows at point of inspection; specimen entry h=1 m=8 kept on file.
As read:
h=6 m=12
